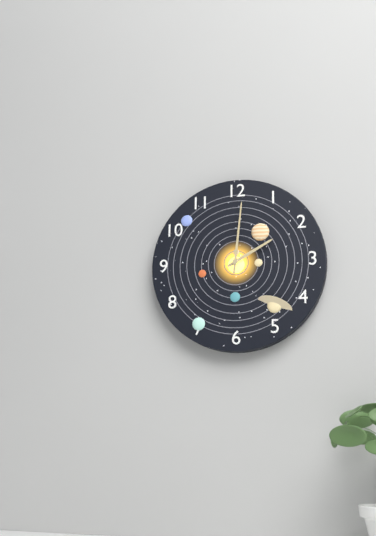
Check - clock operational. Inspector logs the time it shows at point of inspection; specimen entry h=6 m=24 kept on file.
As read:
h=2 m=1
